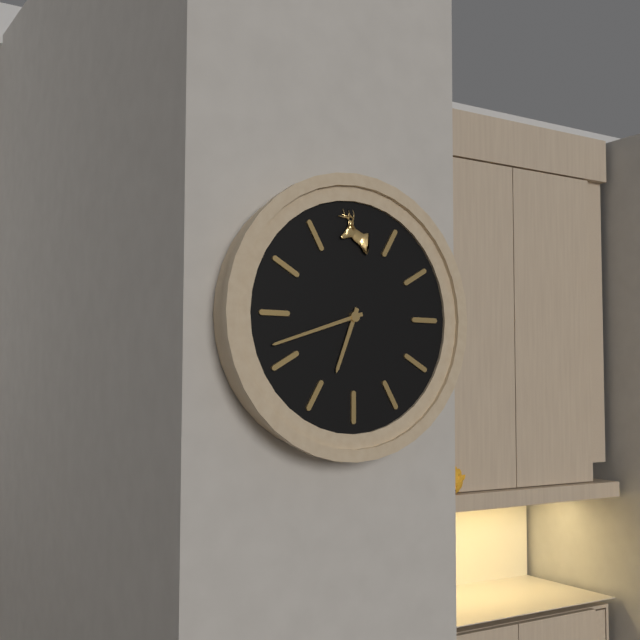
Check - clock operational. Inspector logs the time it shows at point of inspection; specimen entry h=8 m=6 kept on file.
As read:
h=6 m=42
